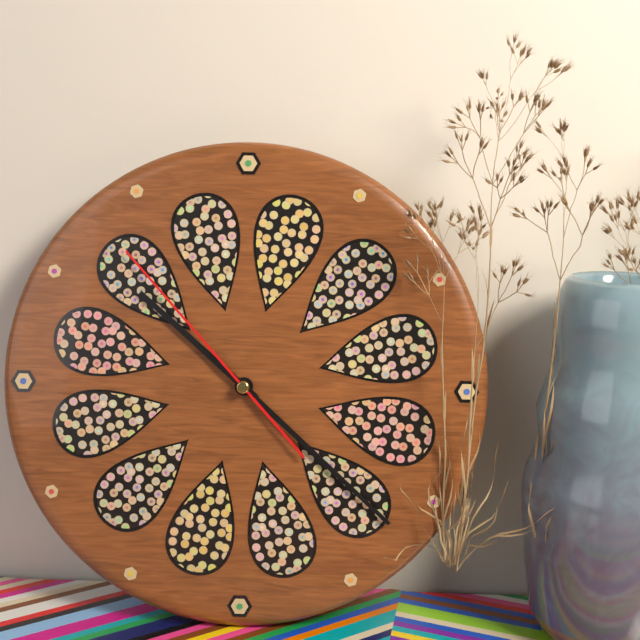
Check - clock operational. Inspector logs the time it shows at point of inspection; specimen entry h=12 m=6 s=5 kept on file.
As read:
h=10 m=22 s=53
